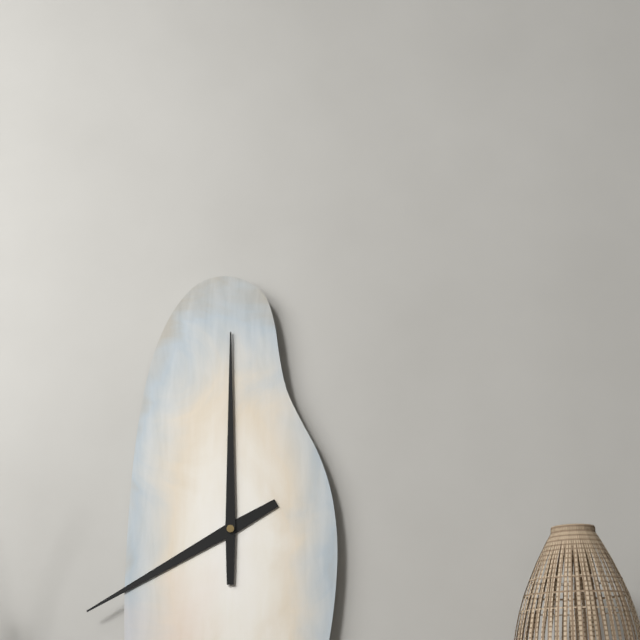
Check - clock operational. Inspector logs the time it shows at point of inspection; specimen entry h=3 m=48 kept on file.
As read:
h=8 m=0
